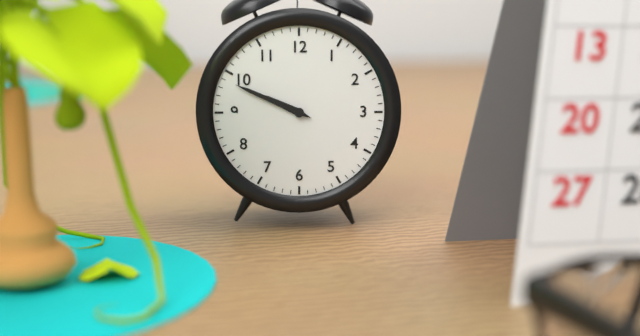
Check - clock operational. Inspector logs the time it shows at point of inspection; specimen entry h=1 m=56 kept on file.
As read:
h=9 m=49
